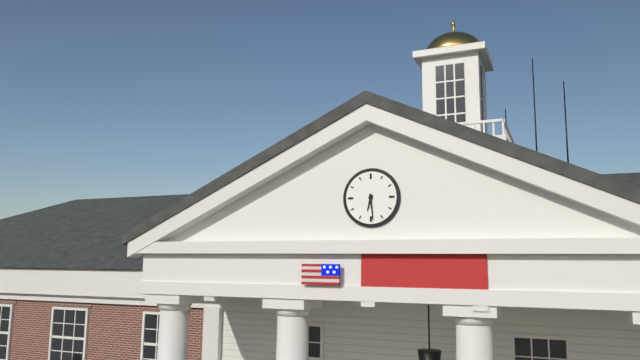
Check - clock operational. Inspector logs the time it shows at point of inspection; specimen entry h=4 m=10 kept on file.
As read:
h=6 m=29
